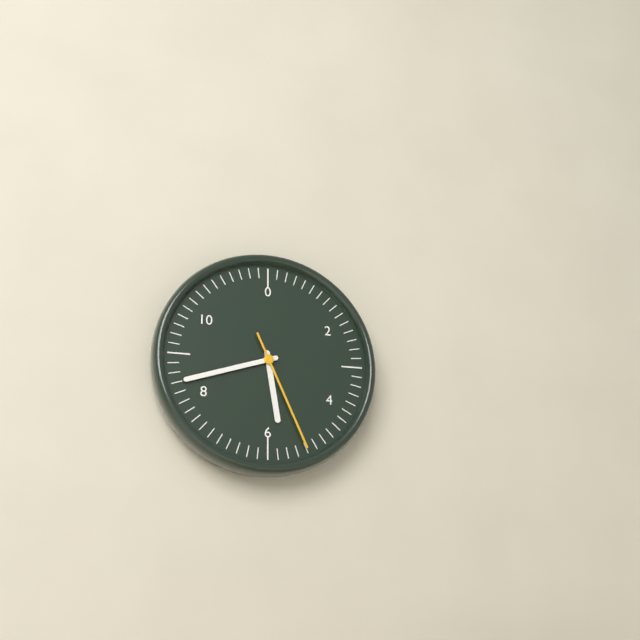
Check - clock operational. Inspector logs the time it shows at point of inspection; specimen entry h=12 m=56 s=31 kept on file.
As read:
h=5 m=42 s=26
